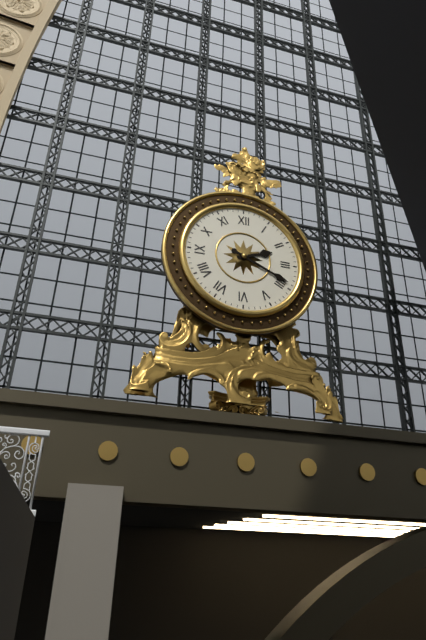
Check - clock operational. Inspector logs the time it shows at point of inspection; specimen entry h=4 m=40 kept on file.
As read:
h=2 m=19
